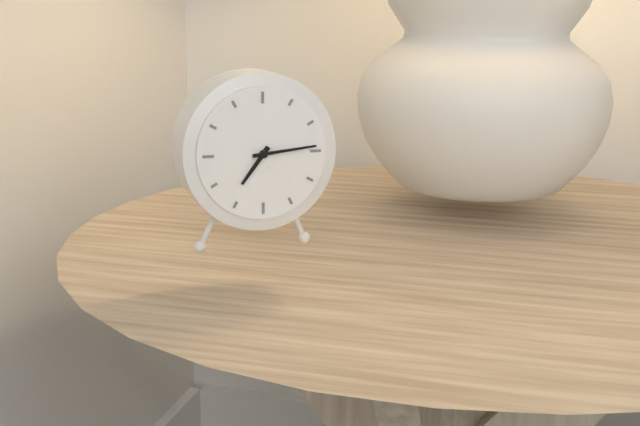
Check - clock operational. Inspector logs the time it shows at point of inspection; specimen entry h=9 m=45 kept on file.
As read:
h=7 m=14
